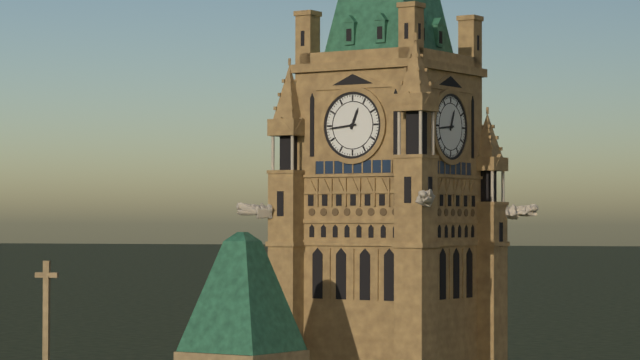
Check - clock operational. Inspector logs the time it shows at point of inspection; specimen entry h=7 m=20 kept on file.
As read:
h=12 m=44
